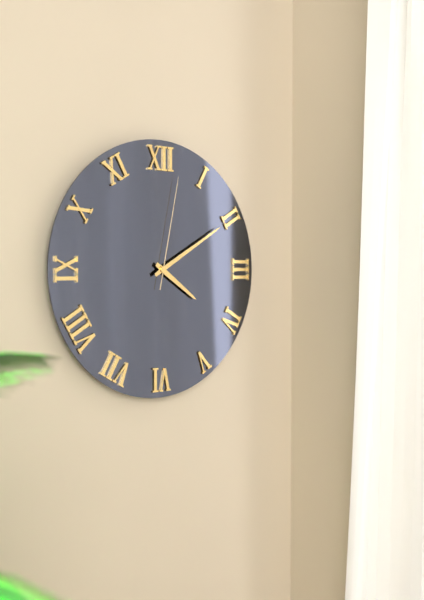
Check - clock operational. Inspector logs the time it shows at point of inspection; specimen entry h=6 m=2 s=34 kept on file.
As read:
h=4 m=10 s=2
